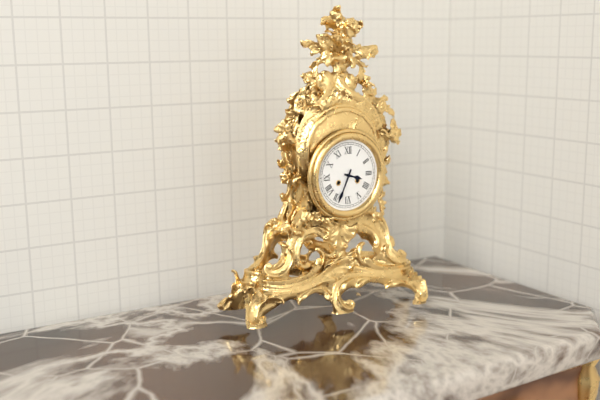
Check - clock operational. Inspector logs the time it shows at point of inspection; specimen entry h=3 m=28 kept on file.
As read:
h=3 m=34
